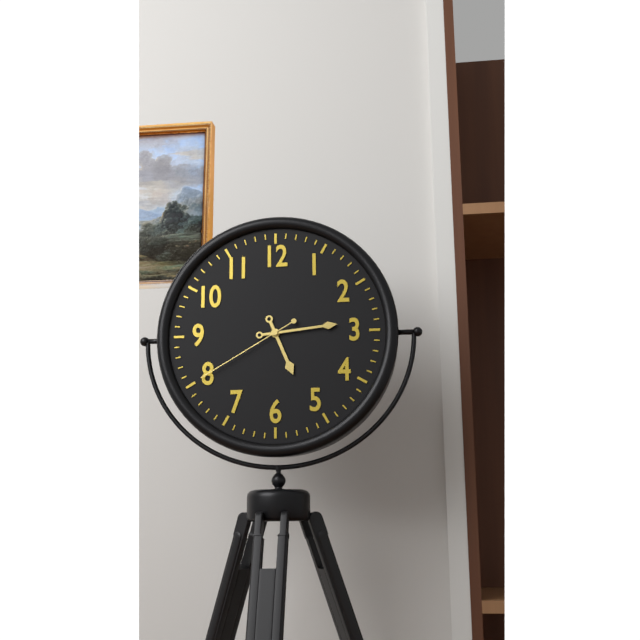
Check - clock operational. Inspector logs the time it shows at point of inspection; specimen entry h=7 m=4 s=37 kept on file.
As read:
h=5 m=14 s=40
